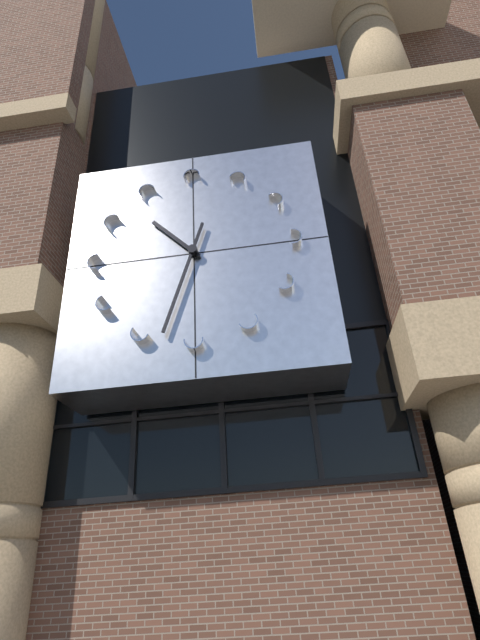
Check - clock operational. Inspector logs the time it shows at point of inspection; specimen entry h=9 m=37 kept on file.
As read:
h=10 m=33
